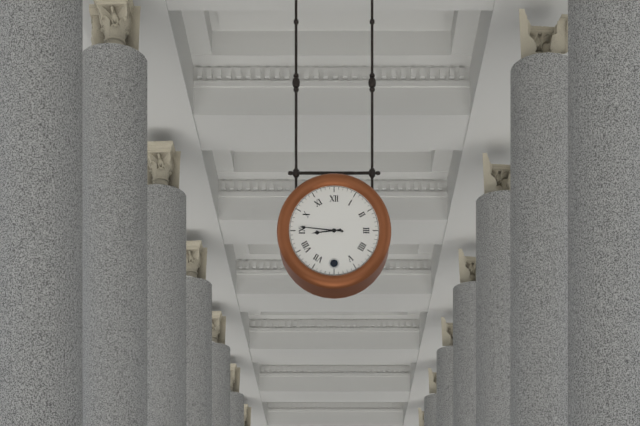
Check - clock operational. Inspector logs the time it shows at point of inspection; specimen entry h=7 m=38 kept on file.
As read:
h=8 m=46
